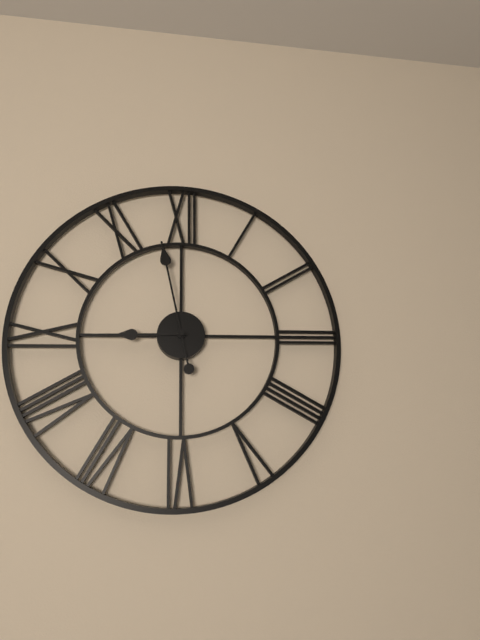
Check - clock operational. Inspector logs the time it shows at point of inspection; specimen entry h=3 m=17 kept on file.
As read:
h=8 m=58
